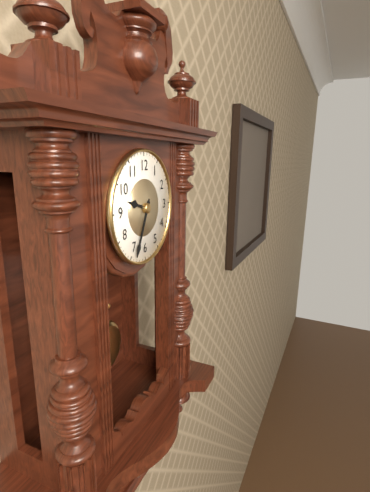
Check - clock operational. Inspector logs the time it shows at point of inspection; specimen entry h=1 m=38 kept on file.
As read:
h=9 m=34
